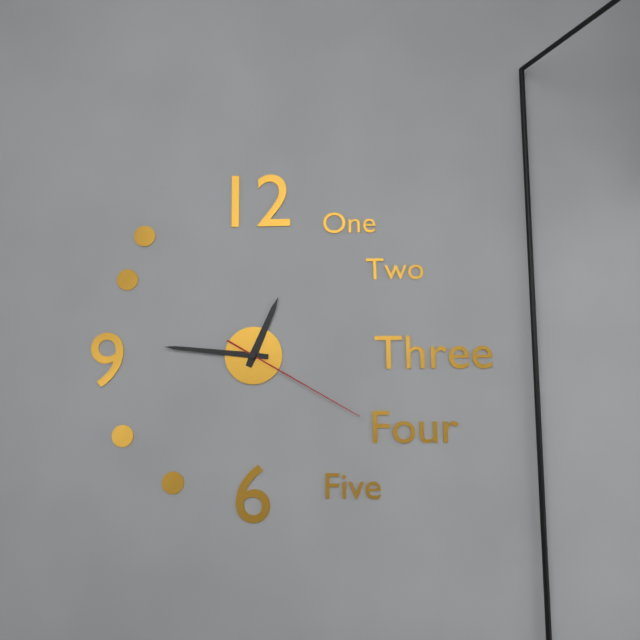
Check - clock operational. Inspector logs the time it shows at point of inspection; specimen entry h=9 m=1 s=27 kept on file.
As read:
h=12 m=46 s=20
